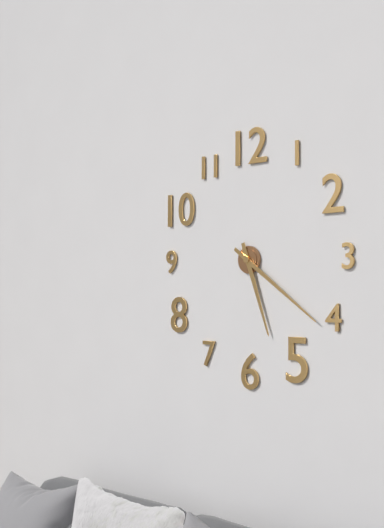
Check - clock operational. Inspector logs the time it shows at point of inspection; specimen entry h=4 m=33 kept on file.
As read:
h=5 m=21
